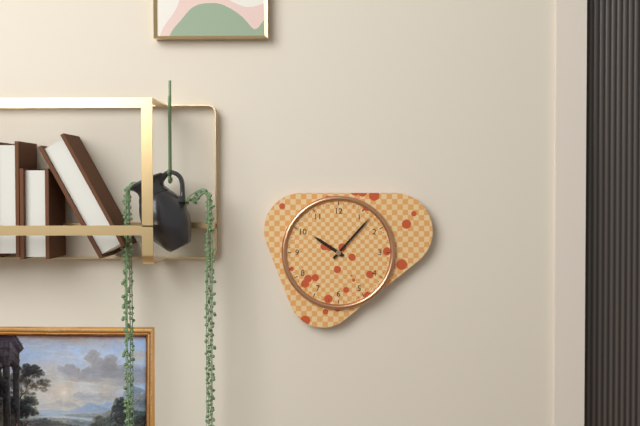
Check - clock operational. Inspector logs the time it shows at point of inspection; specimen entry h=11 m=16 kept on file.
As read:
h=10 m=7
